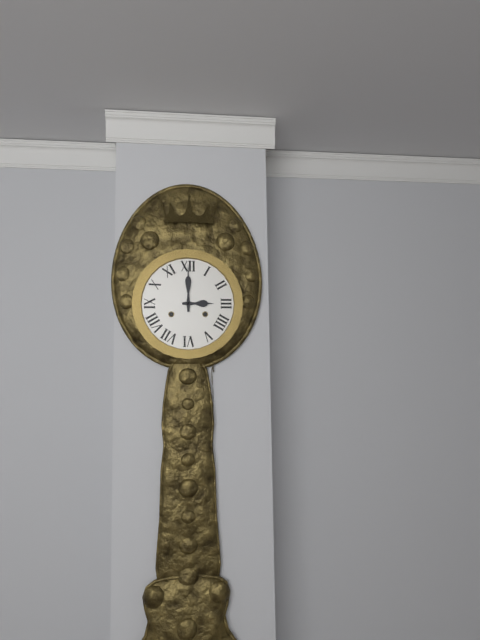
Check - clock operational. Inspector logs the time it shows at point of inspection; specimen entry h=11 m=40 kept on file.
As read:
h=3 m=0
